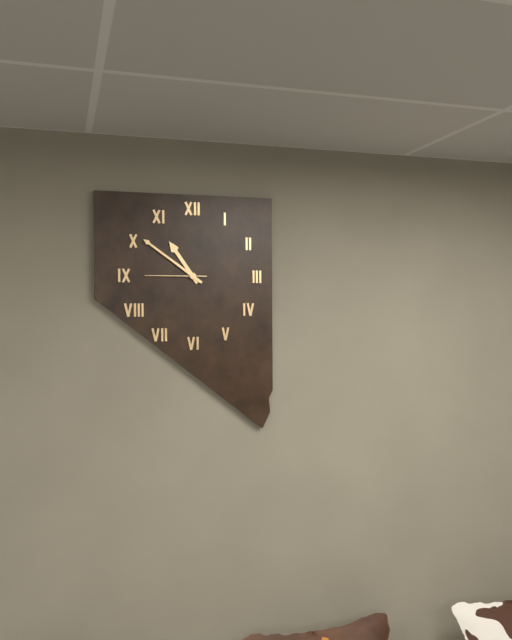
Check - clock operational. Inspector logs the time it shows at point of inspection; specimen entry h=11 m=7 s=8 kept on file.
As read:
h=10 m=51 s=45
